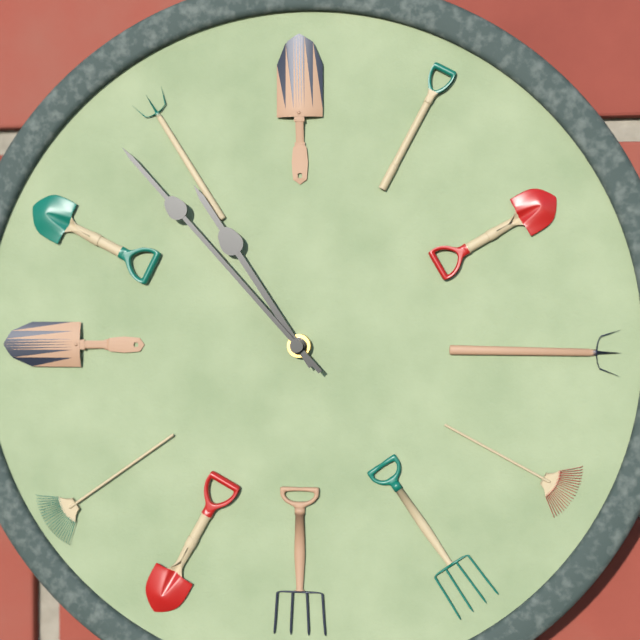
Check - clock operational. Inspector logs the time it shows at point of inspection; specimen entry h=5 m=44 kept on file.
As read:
h=10 m=53
